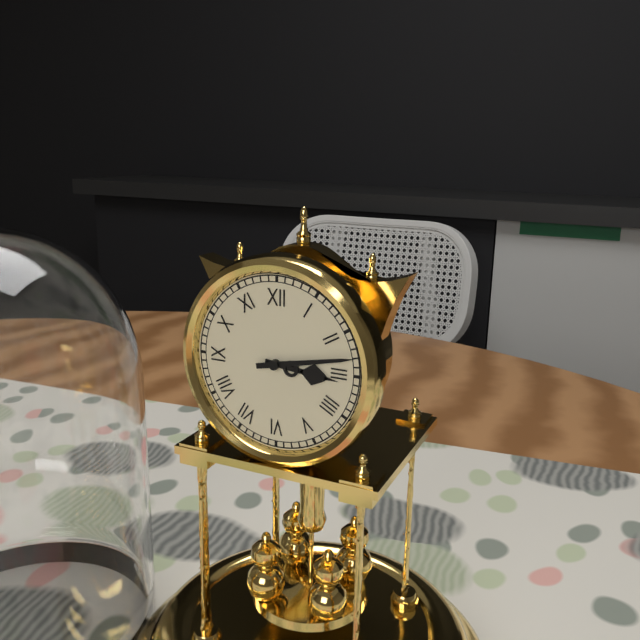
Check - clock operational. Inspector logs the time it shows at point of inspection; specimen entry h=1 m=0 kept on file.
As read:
h=3 m=13
